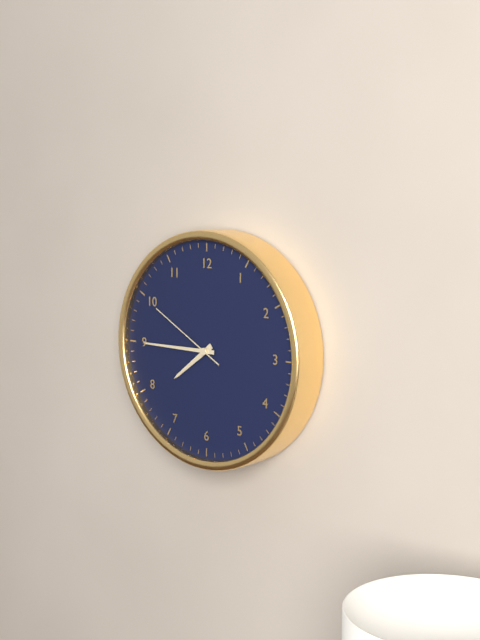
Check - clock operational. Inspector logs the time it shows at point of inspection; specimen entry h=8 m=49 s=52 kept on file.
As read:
h=7 m=45 s=50
